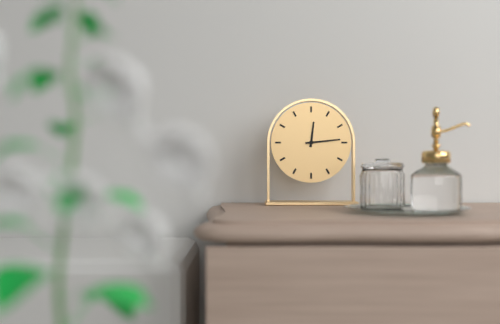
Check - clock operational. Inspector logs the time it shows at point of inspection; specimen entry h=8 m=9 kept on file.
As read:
h=12 m=14
